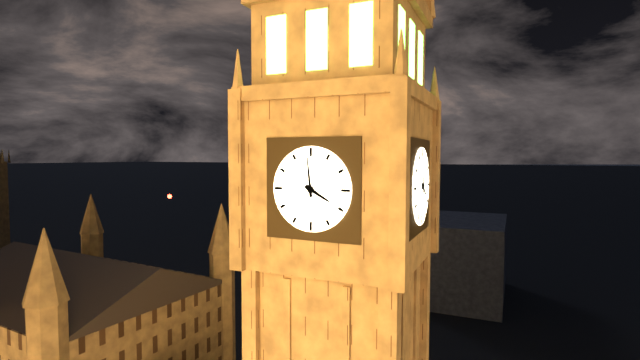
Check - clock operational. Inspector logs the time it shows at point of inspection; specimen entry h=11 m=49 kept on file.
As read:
h=3 m=59
